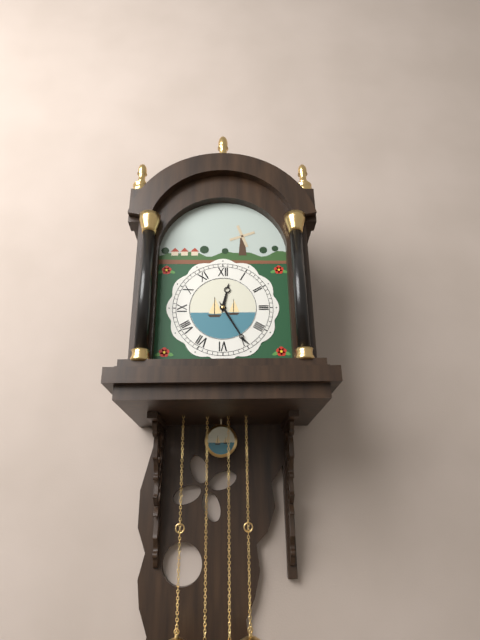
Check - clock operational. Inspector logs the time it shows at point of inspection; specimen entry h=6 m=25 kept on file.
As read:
h=12 m=25
